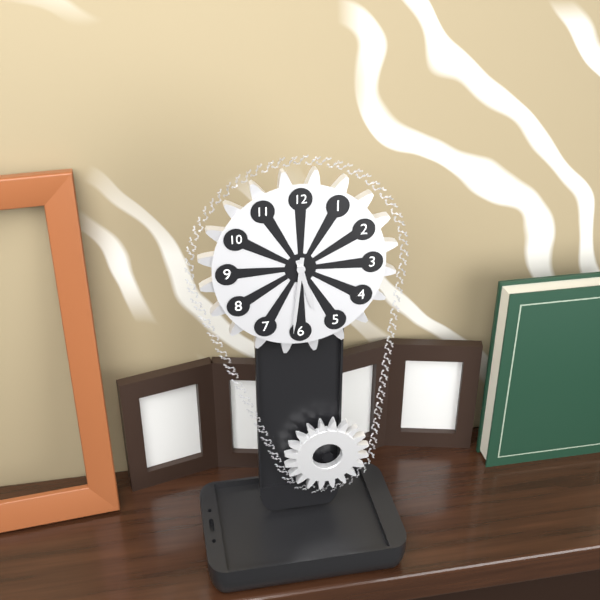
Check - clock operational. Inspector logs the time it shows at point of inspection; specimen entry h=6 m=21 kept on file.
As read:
h=5 m=31
